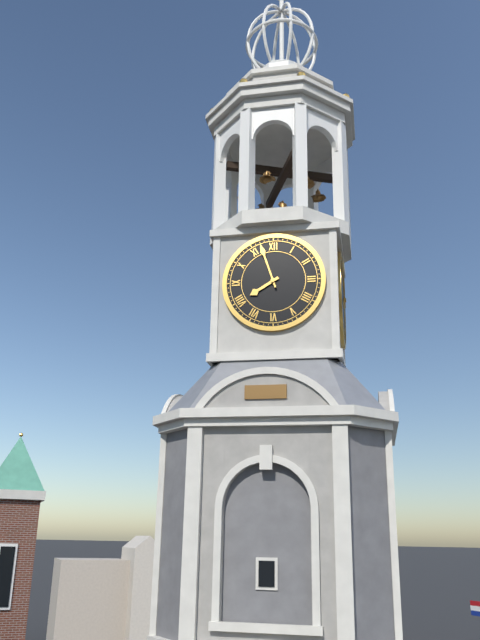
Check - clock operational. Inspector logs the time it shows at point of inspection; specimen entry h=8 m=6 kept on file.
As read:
h=7 m=57
